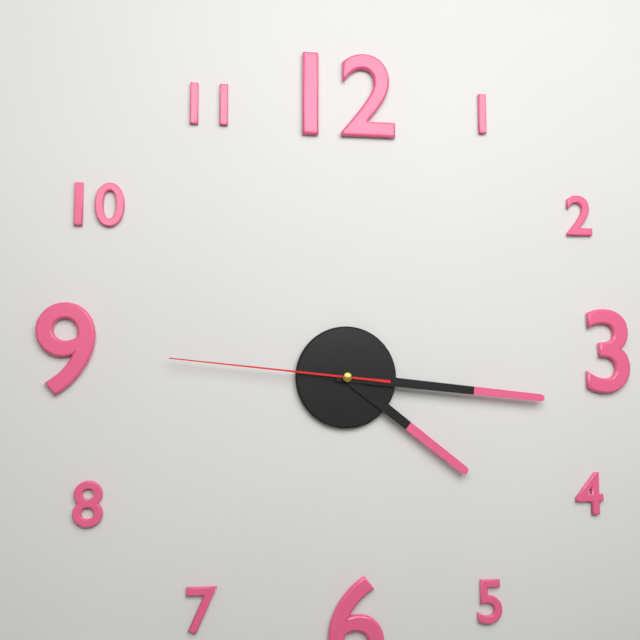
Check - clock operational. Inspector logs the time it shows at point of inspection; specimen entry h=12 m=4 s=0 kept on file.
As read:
h=4 m=16 s=46
